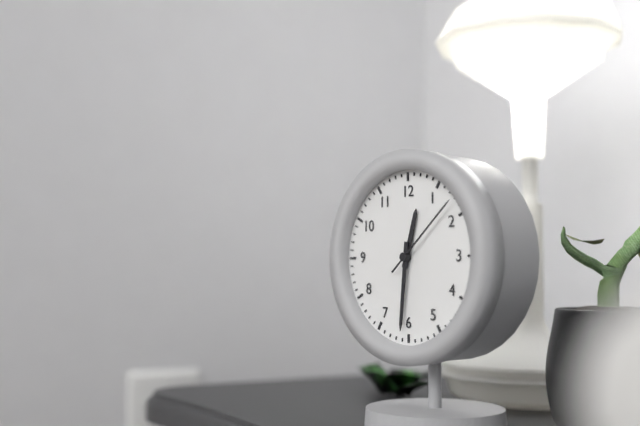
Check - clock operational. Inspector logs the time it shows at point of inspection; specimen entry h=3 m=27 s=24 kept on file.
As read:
h=12 m=31 s=8
